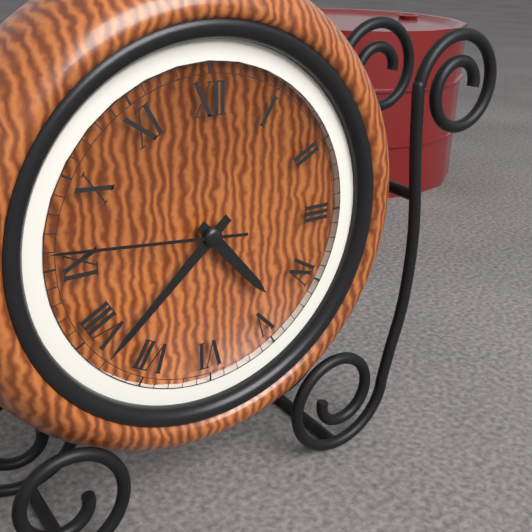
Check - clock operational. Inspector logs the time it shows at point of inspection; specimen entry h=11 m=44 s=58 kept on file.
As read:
h=4 m=38 s=46
